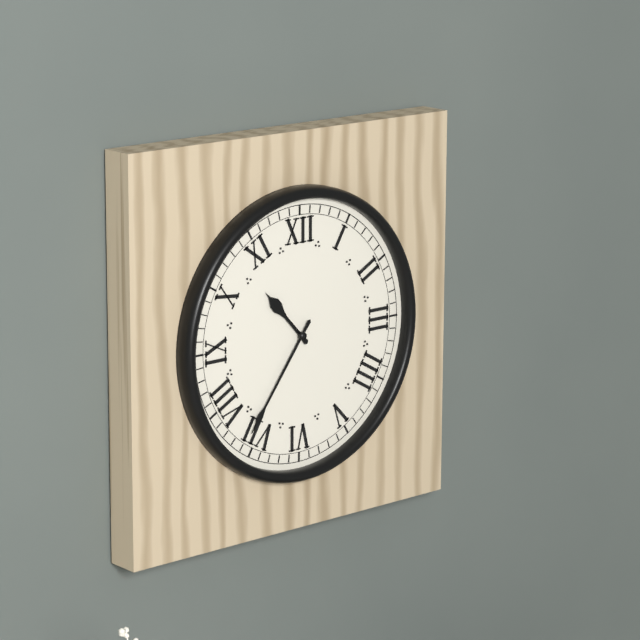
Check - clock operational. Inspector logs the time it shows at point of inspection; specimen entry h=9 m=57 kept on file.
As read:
h=10 m=36
